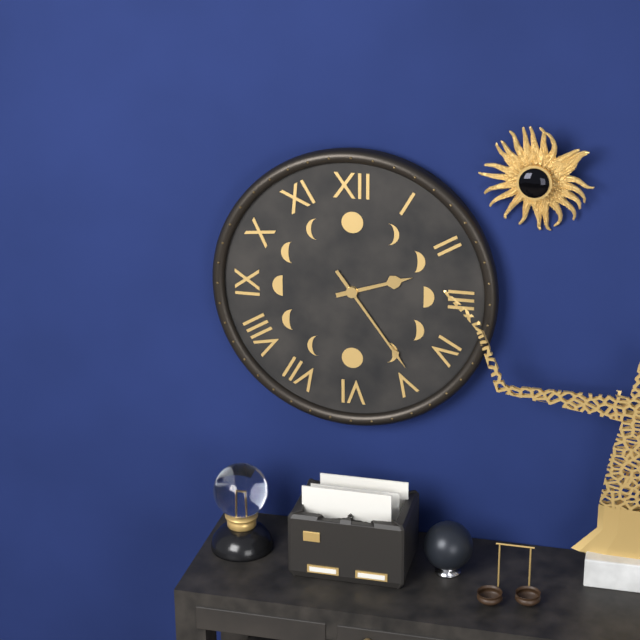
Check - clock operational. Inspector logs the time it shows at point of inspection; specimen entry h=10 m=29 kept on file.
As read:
h=2 m=24
